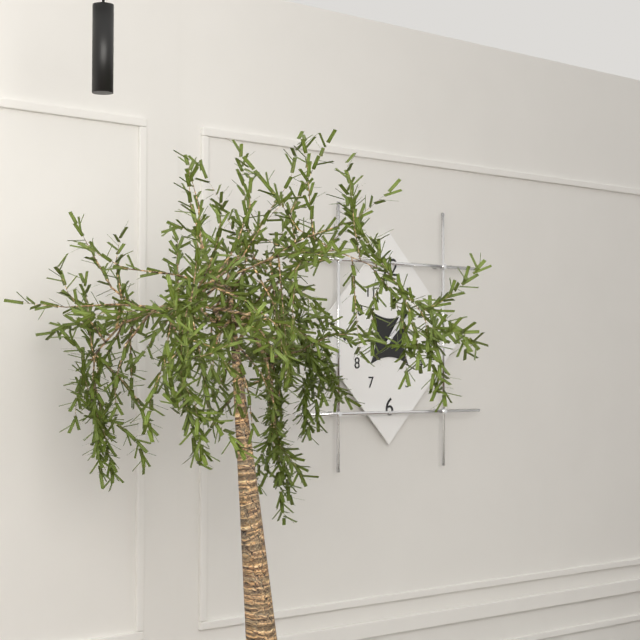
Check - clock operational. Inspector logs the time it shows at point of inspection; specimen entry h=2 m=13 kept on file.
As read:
h=1 m=8
